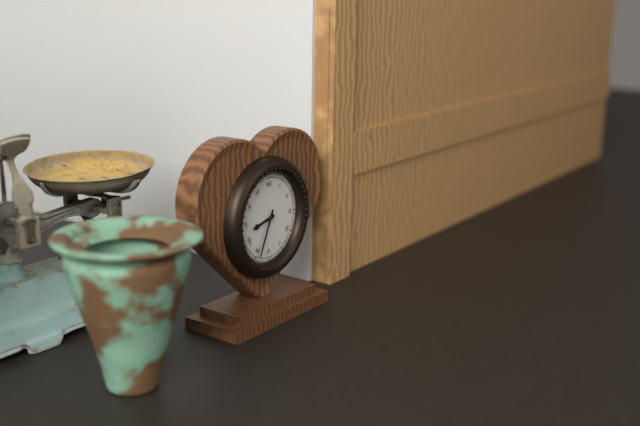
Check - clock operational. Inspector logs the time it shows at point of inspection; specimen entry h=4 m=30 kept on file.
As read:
h=8 m=34
